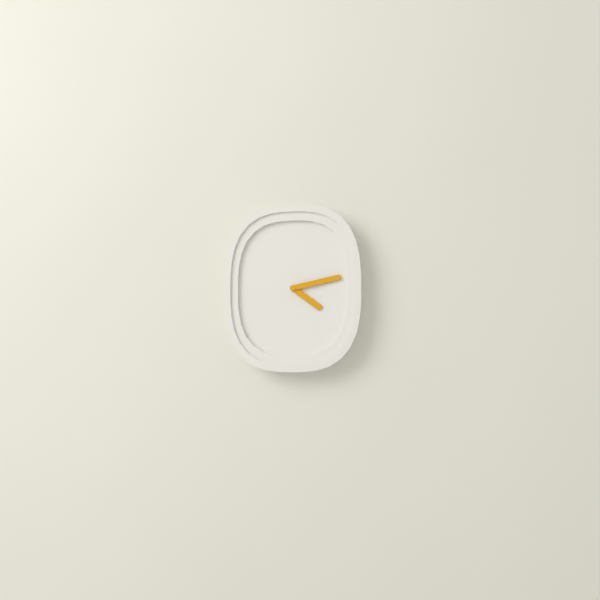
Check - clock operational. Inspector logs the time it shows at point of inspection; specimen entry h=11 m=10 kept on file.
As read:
h=4 m=13
